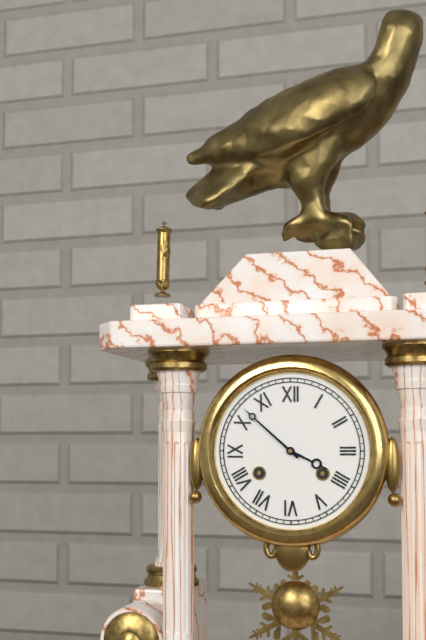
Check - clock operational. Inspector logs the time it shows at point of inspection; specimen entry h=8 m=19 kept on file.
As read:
h=3 m=52
